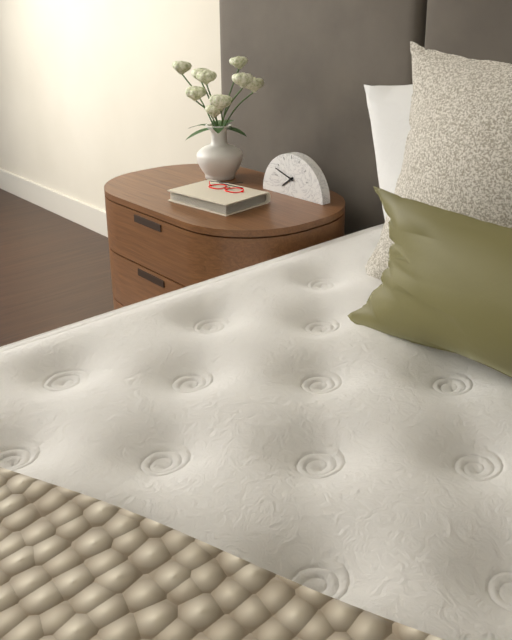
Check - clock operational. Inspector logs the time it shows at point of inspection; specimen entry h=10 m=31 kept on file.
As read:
h=7 m=48
